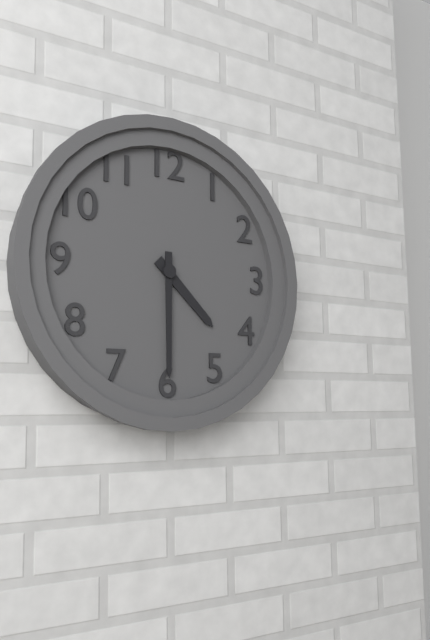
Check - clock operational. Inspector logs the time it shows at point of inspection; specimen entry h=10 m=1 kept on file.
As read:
h=4 m=30
